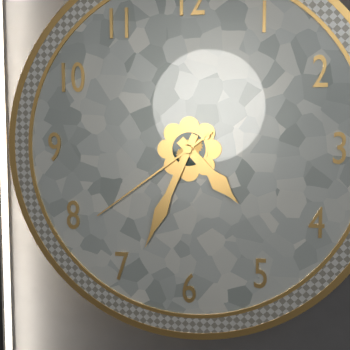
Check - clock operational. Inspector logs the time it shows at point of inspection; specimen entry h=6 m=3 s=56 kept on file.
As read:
h=4 m=34 s=39
